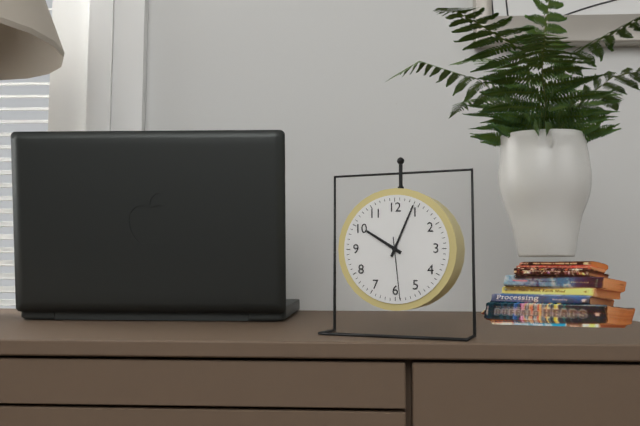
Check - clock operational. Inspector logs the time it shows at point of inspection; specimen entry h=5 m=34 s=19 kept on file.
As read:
h=10 m=4 s=29
